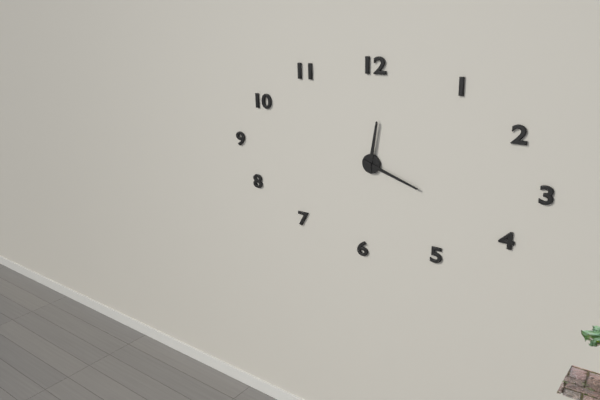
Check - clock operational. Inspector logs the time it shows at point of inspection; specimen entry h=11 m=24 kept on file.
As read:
h=12 m=18
